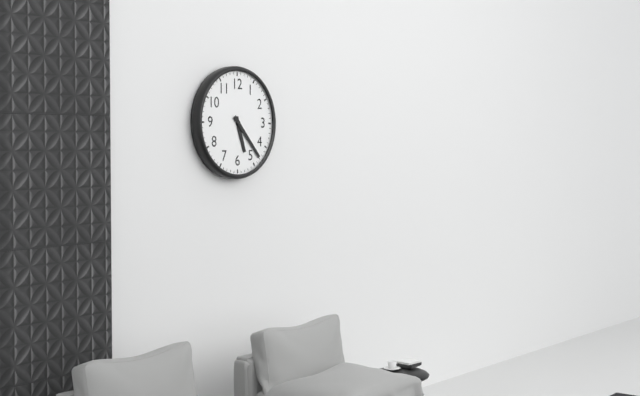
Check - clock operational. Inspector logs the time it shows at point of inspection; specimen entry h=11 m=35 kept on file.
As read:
h=5 m=23
